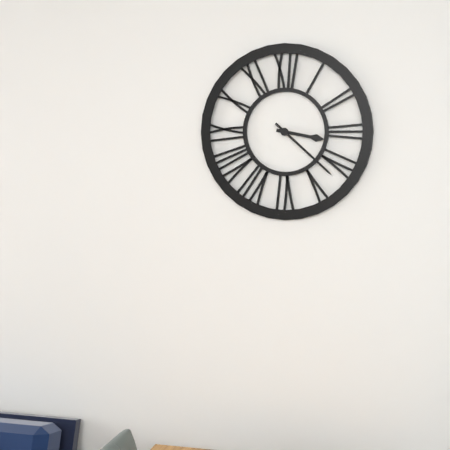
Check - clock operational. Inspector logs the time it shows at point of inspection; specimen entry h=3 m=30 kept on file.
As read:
h=3 m=22
